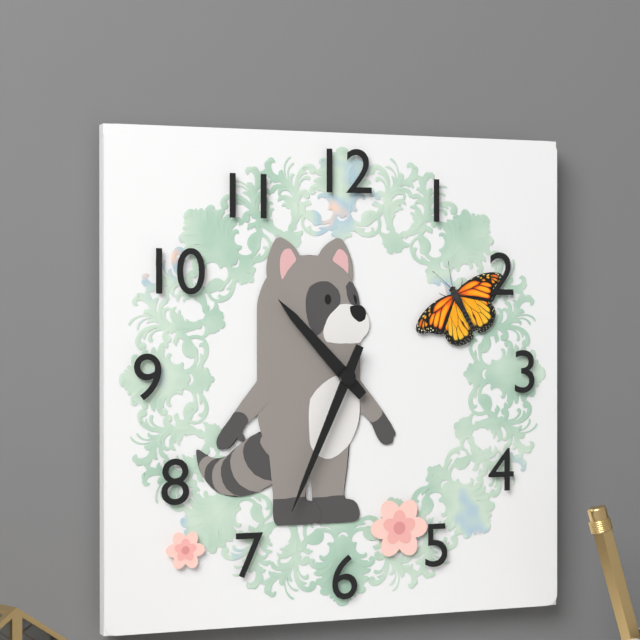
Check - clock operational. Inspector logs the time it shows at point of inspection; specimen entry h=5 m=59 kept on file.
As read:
h=10 m=34
